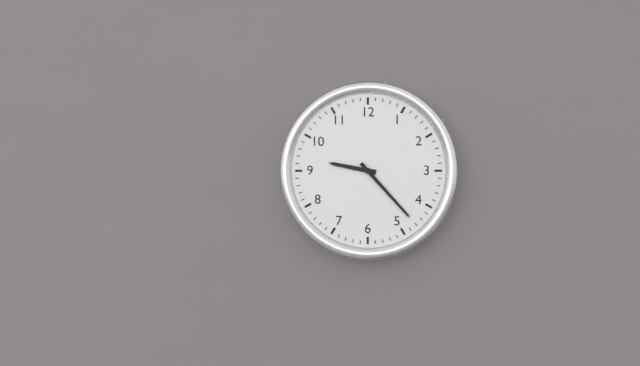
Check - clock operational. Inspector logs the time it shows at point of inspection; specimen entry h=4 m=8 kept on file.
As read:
h=9 m=23
